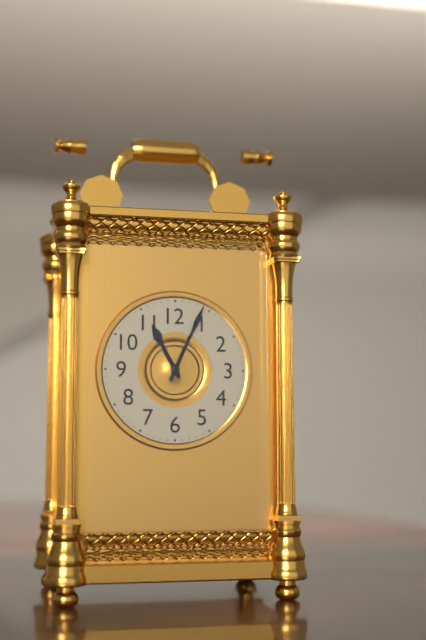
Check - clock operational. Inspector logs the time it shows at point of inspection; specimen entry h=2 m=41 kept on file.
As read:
h=11 m=4
